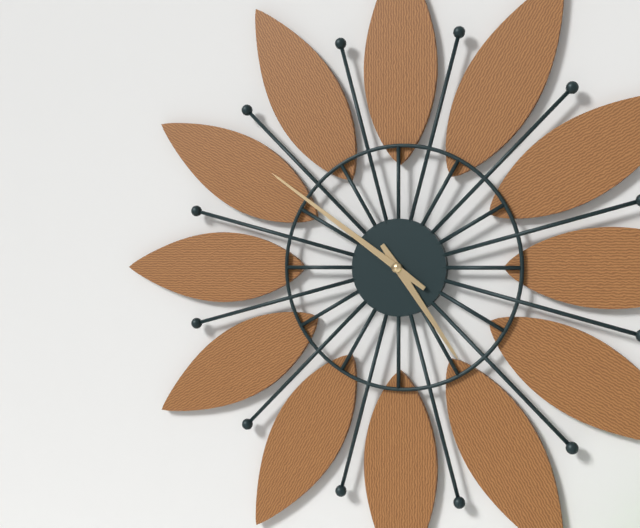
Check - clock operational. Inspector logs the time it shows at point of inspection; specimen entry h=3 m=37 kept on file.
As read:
h=4 m=51
